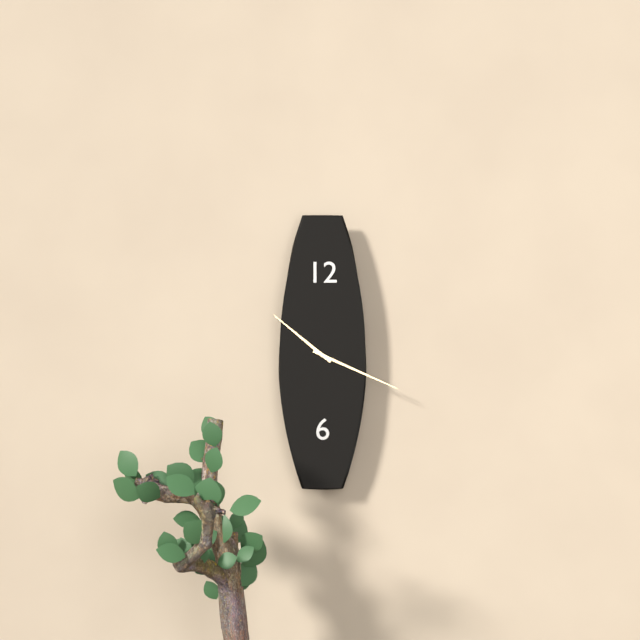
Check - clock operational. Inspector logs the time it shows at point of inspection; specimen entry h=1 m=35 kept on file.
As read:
h=10 m=19
